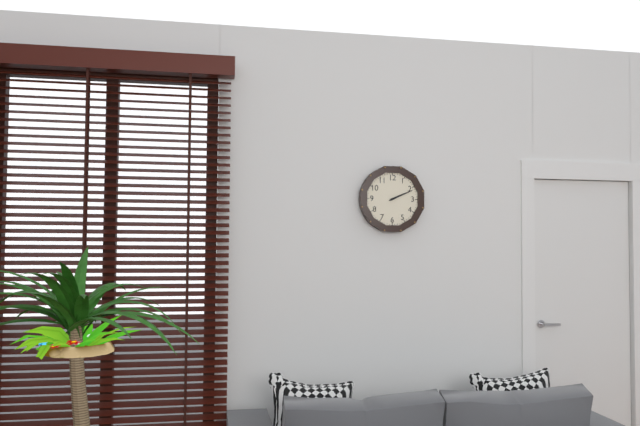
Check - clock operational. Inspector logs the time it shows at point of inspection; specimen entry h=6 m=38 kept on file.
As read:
h=2 m=11
